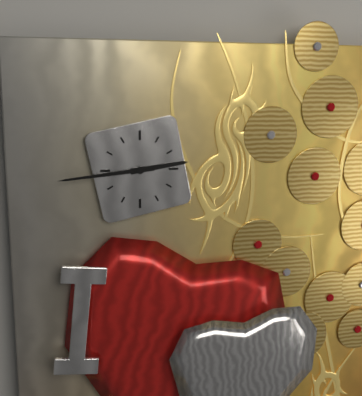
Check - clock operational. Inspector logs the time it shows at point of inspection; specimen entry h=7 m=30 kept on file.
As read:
h=2 m=44
